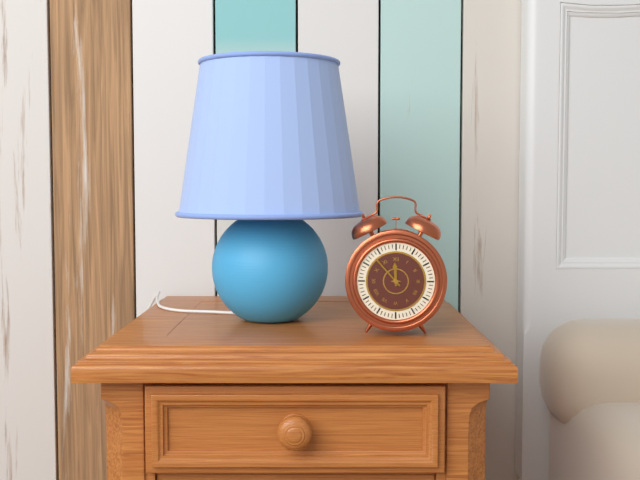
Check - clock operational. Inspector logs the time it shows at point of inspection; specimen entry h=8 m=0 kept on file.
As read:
h=11 m=53
